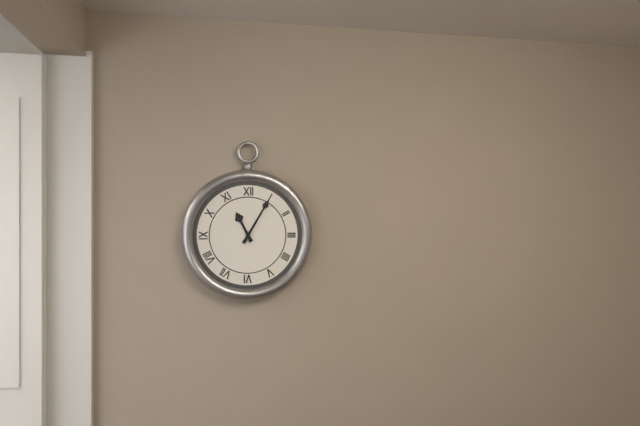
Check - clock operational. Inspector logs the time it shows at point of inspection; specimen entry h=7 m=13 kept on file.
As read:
h=11 m=5
